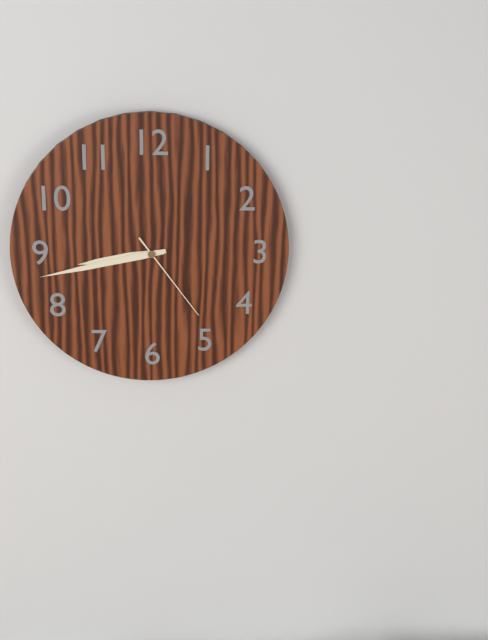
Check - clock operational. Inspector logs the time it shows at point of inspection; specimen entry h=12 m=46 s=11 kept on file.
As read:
h=8 m=43 s=24
